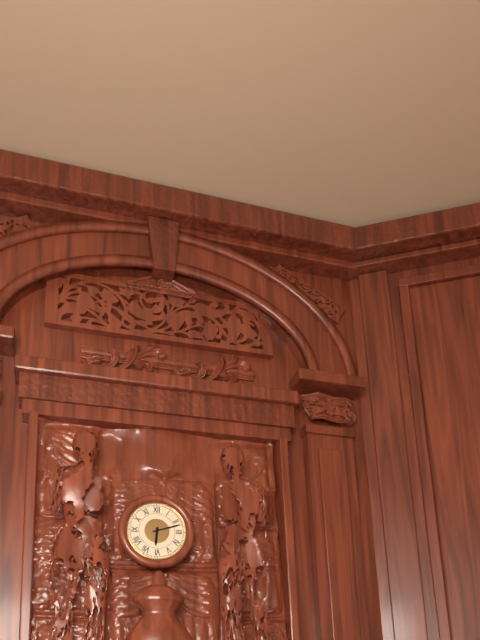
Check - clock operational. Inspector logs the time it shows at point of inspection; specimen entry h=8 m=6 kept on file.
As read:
h=6 m=12
